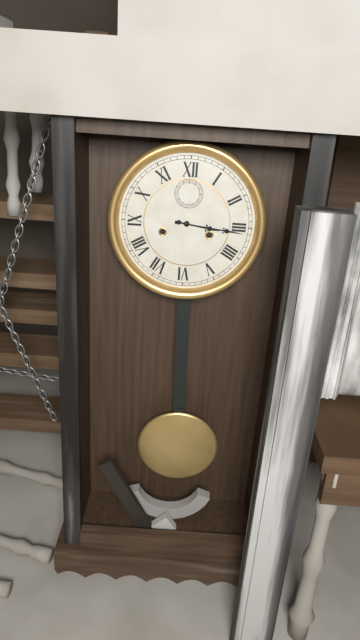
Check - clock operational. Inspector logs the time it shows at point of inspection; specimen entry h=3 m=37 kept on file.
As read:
h=3 m=16
